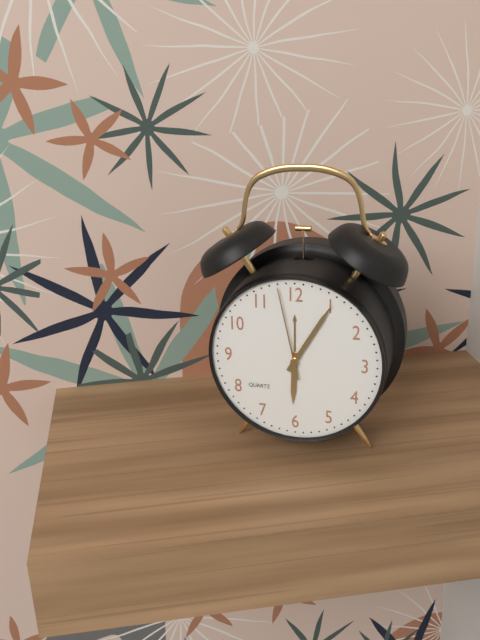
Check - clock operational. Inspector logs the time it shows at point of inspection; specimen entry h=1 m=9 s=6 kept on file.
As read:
h=6 m=5 s=58
